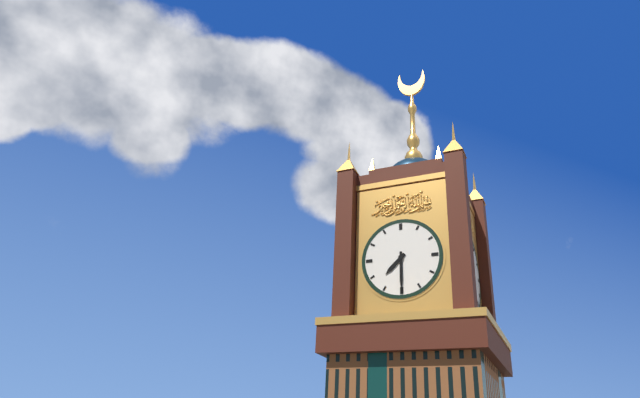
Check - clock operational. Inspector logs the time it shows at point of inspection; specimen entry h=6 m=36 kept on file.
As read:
h=7 m=30
